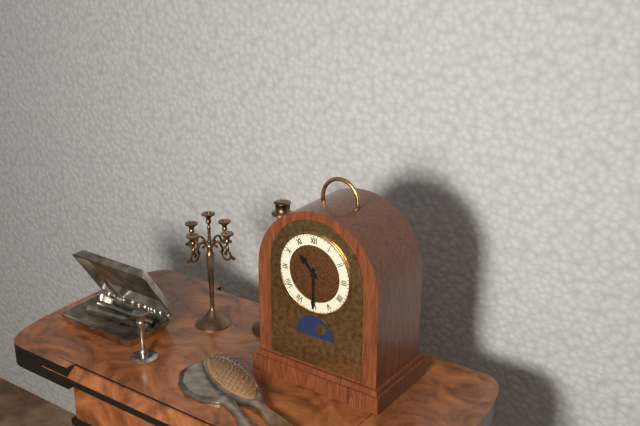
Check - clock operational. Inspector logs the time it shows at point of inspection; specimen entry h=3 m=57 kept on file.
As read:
h=10 m=30
